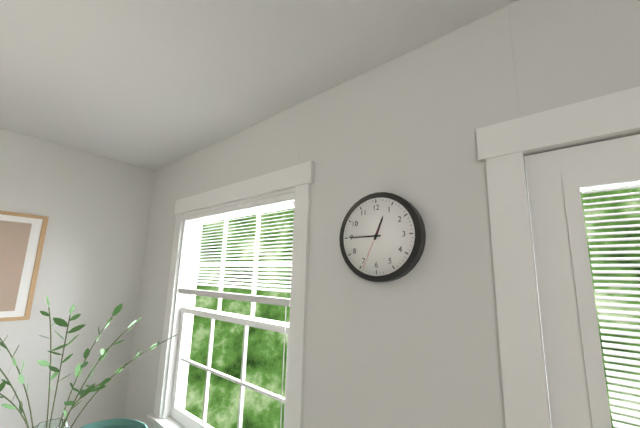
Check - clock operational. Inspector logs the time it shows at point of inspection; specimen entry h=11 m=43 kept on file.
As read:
h=12 m=45
